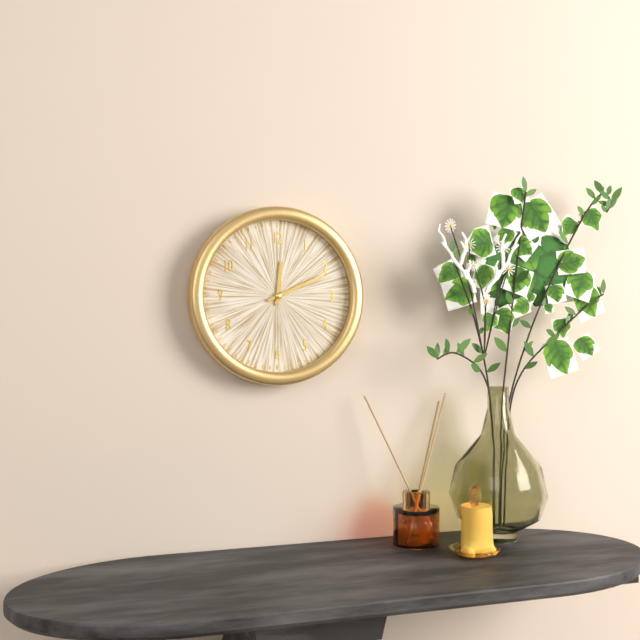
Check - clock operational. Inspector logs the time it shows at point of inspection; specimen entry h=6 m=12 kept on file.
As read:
h=12 m=11
